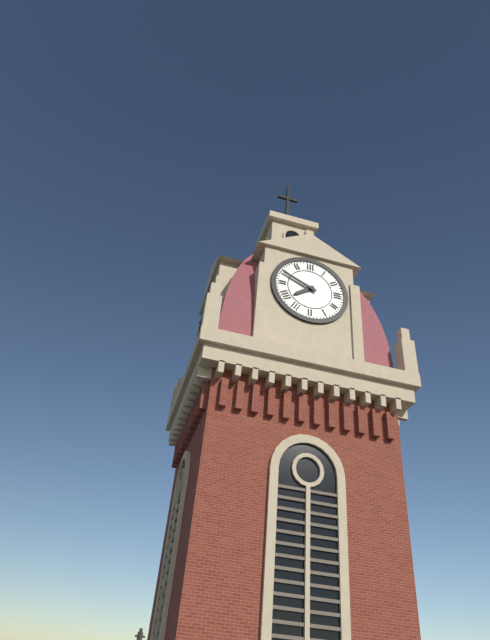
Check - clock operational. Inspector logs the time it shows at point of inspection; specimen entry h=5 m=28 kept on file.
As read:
h=7 m=49
